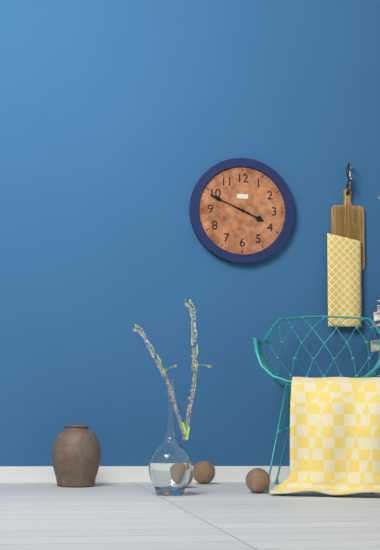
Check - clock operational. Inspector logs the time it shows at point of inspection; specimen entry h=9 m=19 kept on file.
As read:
h=3 m=49
